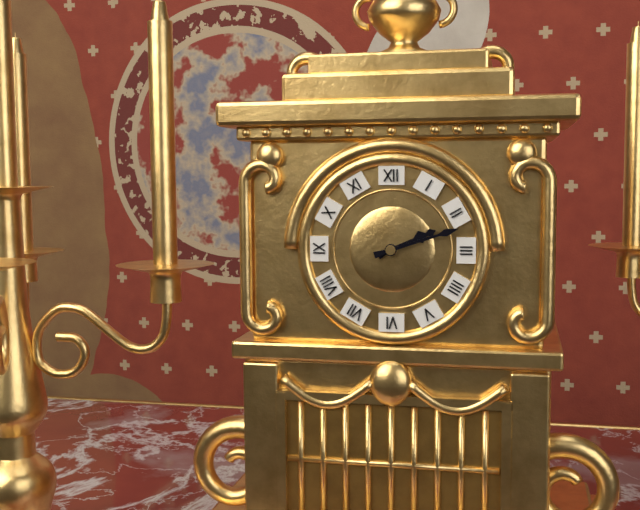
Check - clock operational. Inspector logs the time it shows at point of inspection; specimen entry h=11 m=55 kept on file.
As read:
h=2 m=12
